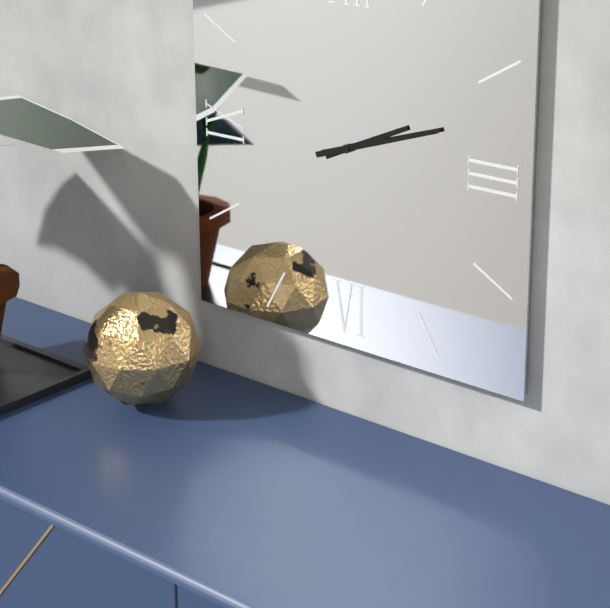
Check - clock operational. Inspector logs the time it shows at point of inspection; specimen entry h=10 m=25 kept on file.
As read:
h=2 m=12
